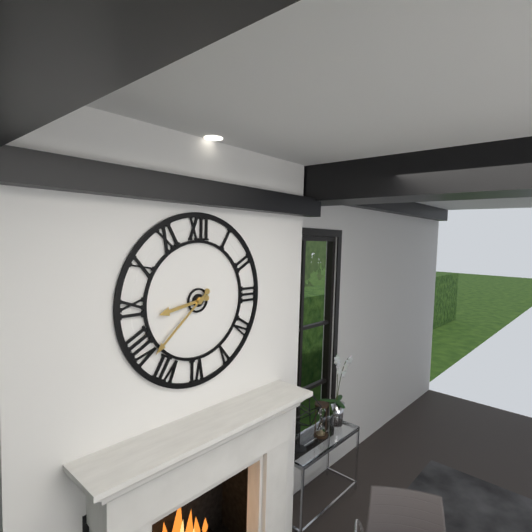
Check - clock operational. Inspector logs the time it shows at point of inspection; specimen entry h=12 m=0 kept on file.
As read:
h=8 m=38
